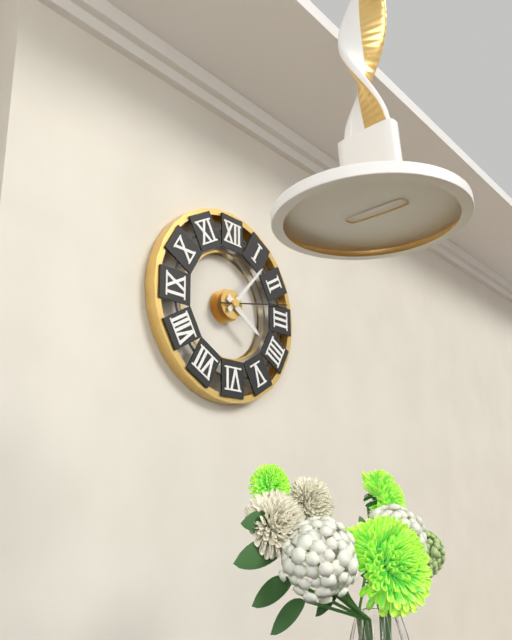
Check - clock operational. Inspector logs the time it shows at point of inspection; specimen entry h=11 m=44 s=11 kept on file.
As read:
h=4 m=7 s=13
